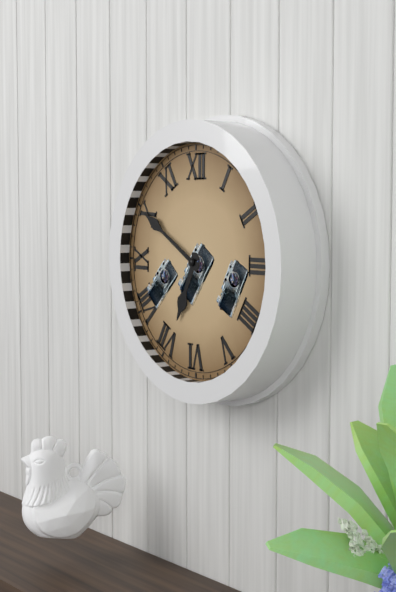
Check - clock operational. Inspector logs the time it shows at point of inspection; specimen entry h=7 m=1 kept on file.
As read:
h=6 m=50
